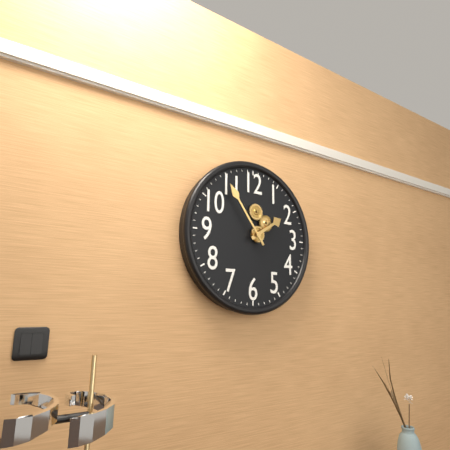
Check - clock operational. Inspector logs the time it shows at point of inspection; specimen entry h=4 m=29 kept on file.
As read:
h=1 m=54
